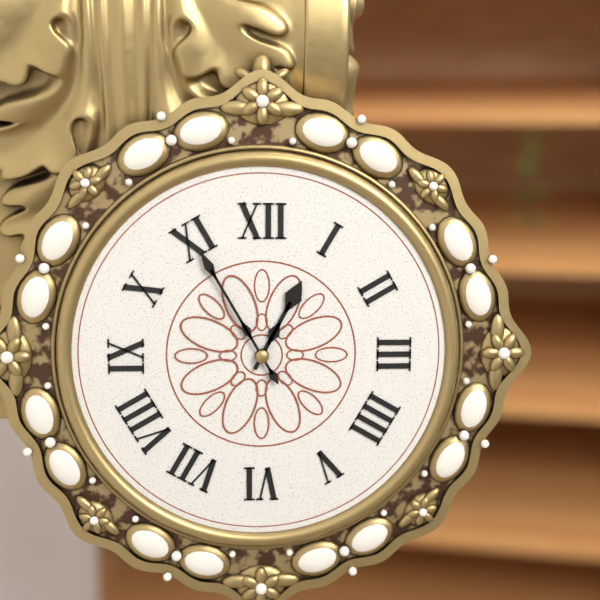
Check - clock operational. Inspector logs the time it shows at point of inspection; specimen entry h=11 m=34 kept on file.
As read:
h=12 m=55
